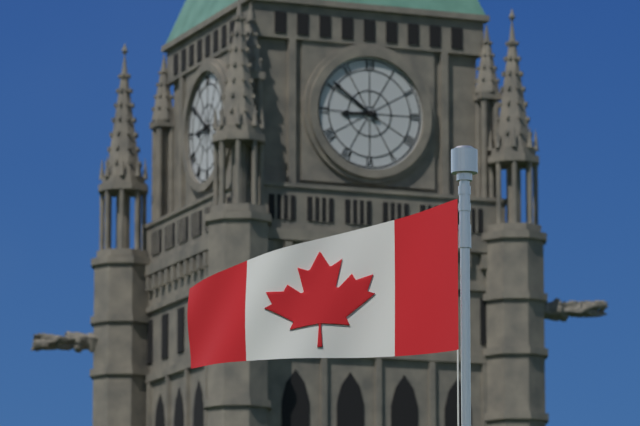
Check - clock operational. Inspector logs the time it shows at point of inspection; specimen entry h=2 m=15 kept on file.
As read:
h=8 m=51
